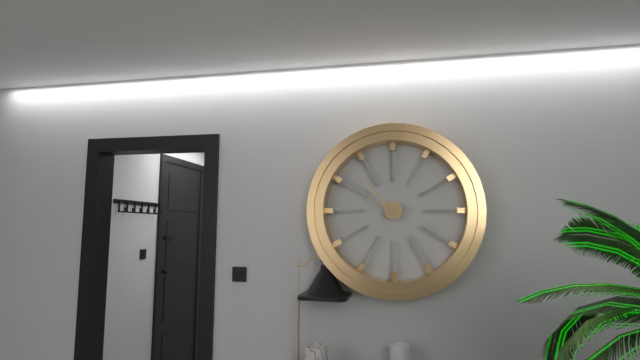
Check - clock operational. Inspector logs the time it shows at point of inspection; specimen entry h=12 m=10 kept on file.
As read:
h=9 m=53
